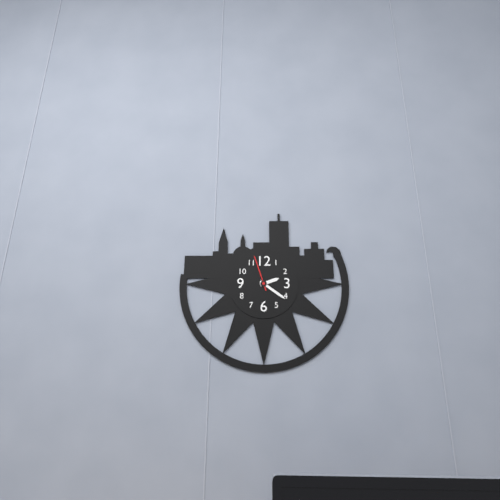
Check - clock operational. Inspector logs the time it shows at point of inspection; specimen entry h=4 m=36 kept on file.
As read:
h=2 m=21
